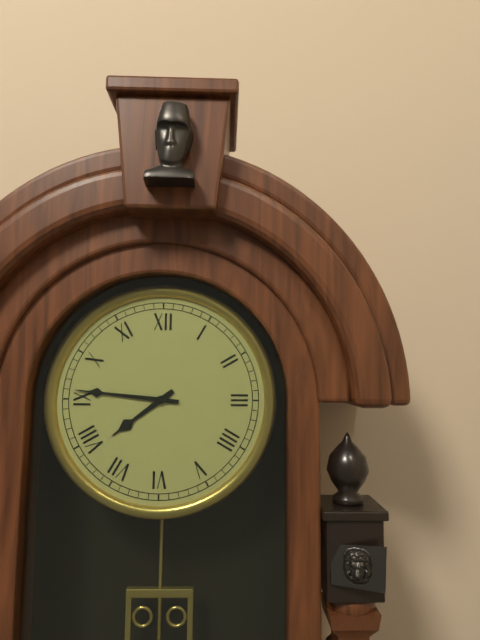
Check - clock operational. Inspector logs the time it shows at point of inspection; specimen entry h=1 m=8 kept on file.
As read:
h=7 m=46
